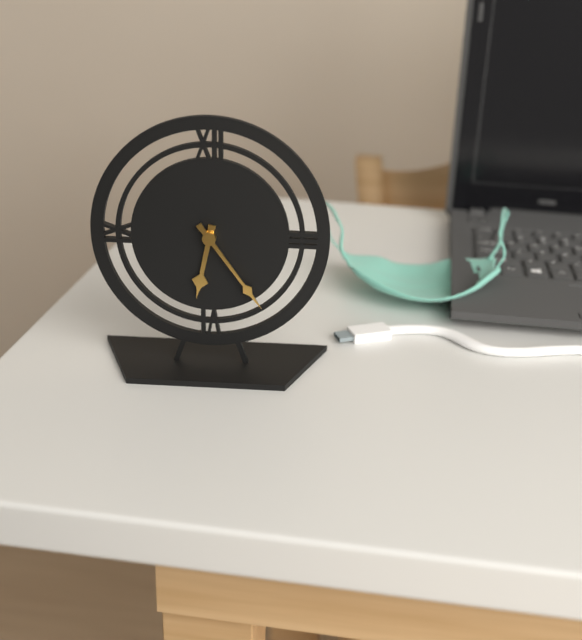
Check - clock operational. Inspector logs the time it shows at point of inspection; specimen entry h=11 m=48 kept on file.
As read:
h=6 m=24
